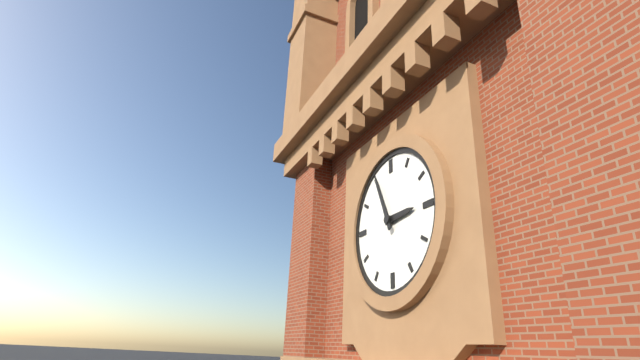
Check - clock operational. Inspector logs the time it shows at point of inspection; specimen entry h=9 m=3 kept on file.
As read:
h=2 m=56
